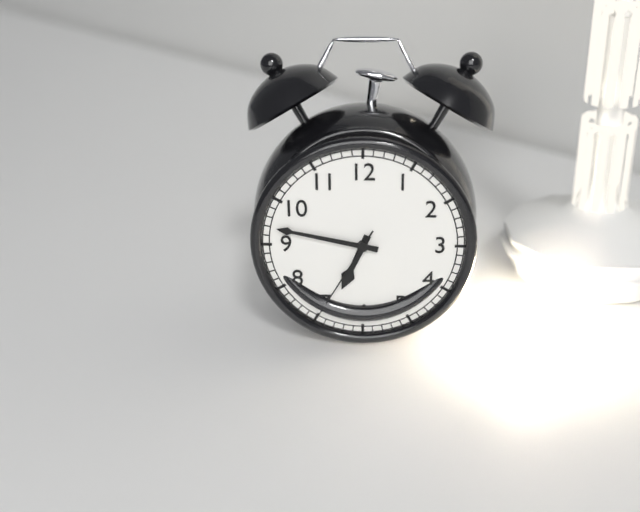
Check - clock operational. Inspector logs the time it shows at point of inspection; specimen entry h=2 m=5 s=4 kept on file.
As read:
h=6 m=47 s=35
